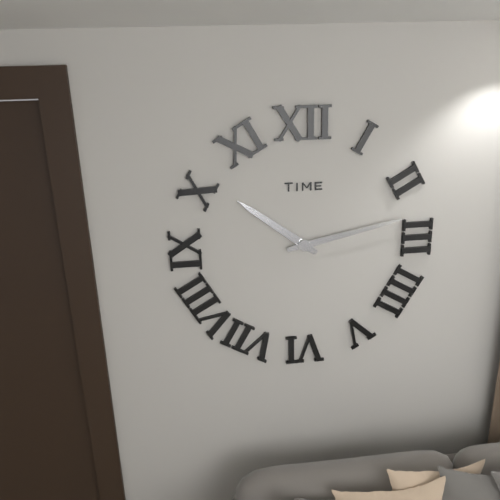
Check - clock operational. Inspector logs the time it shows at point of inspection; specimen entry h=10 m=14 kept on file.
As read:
h=10 m=13
